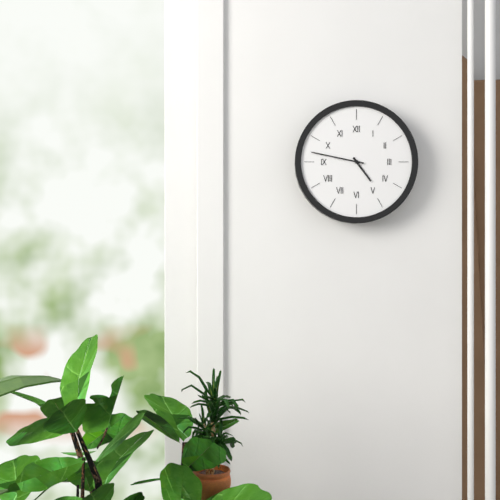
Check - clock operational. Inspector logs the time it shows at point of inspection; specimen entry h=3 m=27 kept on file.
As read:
h=4 m=47
